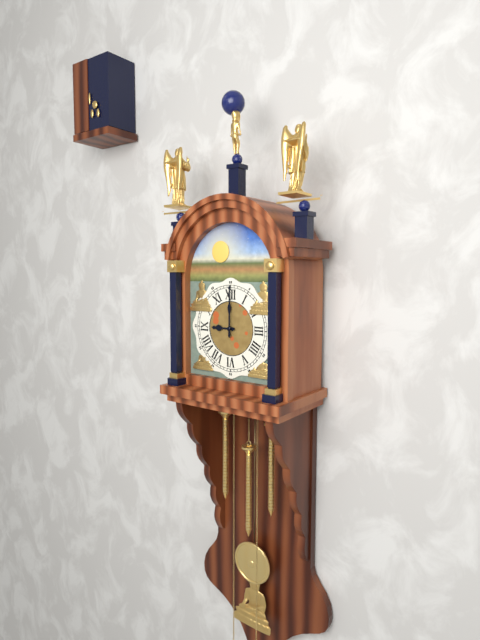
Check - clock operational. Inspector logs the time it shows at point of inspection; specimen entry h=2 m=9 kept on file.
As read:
h=9 m=0
